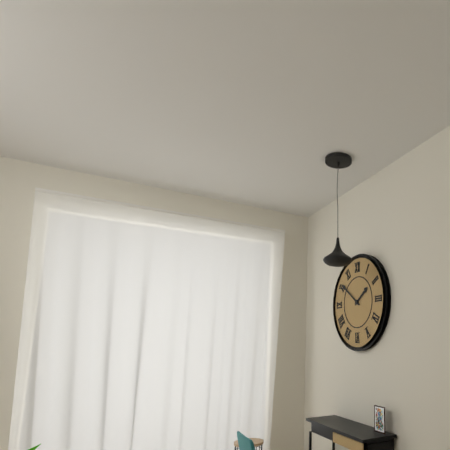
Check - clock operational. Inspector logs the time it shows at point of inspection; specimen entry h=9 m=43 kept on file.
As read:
h=1 m=51
